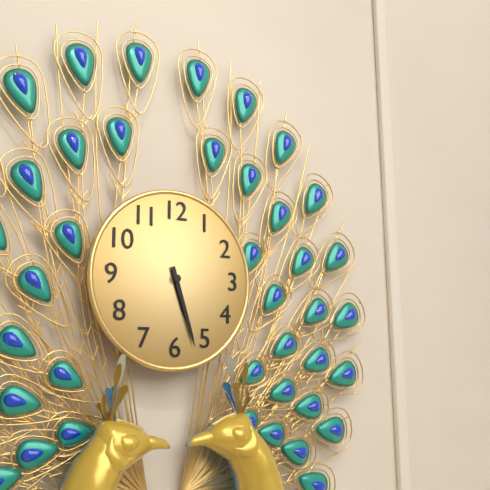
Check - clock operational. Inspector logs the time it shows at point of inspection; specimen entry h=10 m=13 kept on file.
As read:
h=5 m=27
